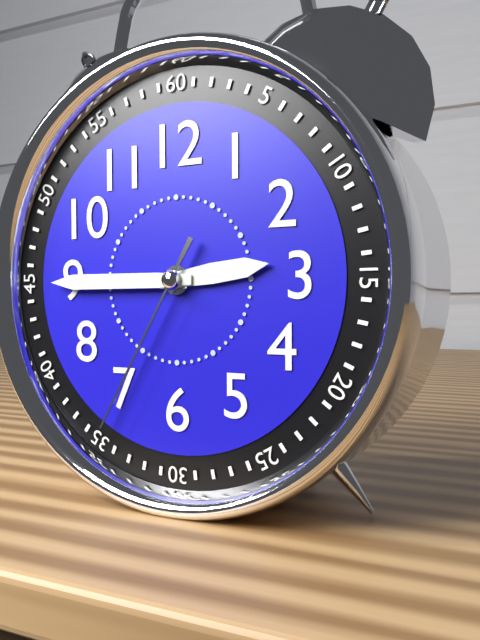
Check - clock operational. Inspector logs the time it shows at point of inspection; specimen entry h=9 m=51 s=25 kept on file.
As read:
h=2 m=45 s=35
